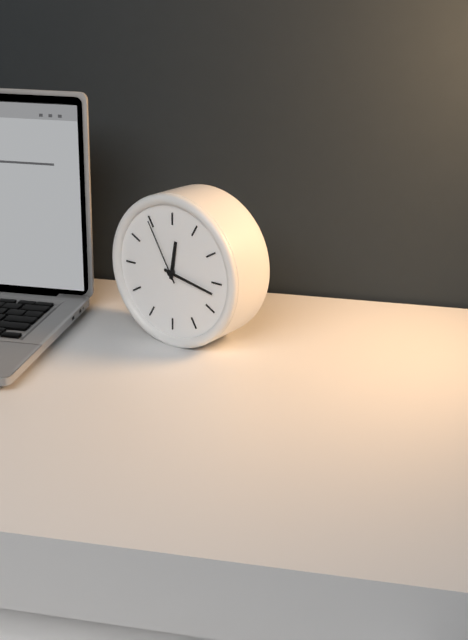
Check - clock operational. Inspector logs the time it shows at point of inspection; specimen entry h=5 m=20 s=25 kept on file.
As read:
h=12 m=17 s=55
